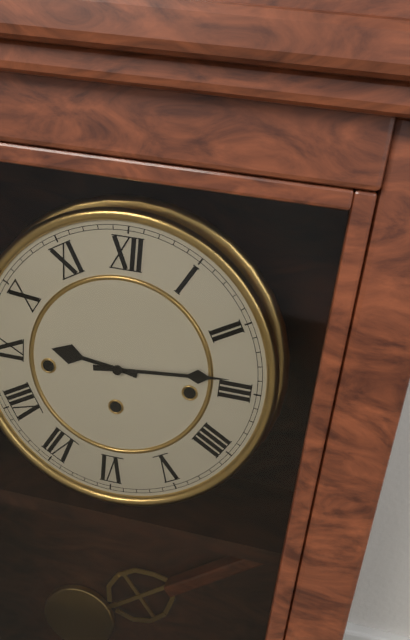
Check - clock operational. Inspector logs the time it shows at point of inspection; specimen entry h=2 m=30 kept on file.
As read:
h=9 m=14
